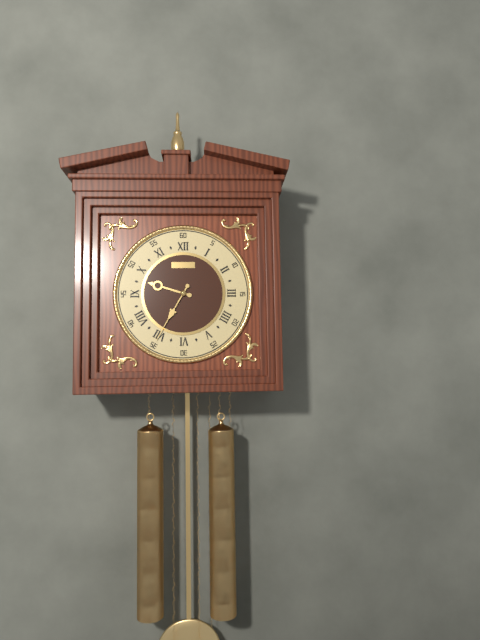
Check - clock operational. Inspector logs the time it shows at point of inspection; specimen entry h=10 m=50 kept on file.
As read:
h=9 m=35
